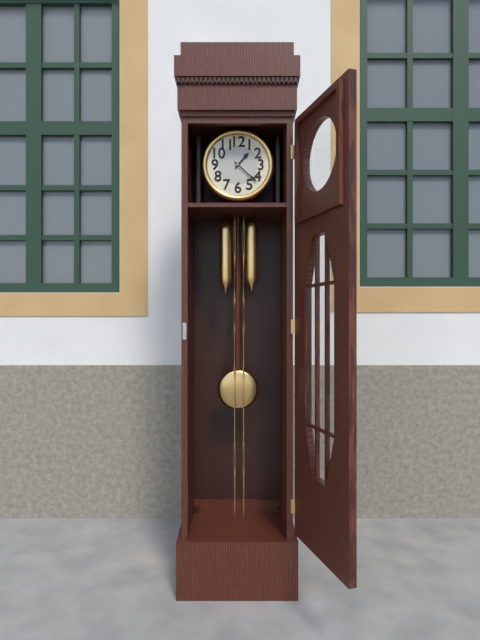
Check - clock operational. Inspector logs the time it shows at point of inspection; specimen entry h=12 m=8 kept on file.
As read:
h=1 m=22
